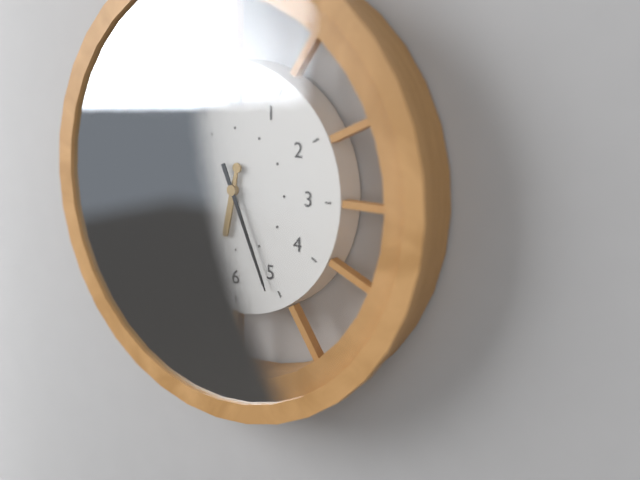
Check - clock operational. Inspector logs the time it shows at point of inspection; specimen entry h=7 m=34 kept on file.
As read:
h=6 m=26
